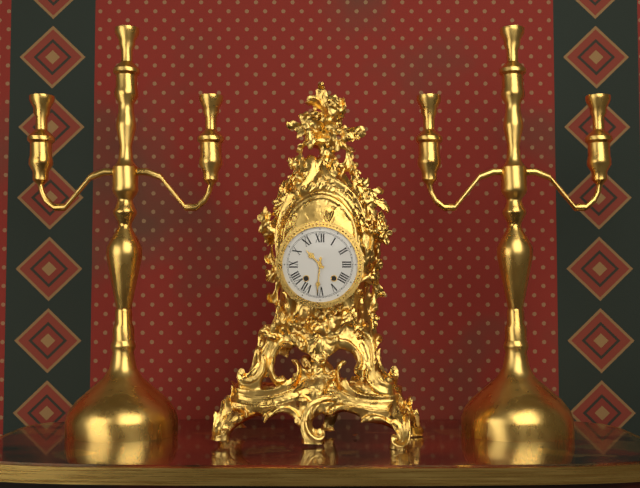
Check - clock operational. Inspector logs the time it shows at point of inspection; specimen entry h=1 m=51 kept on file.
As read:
h=10 m=31
